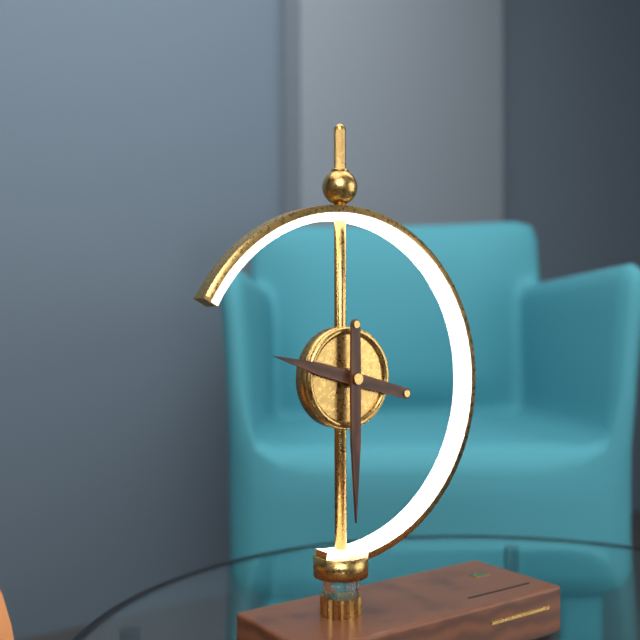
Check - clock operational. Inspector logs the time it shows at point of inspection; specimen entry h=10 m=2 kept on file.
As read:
h=9 m=30
